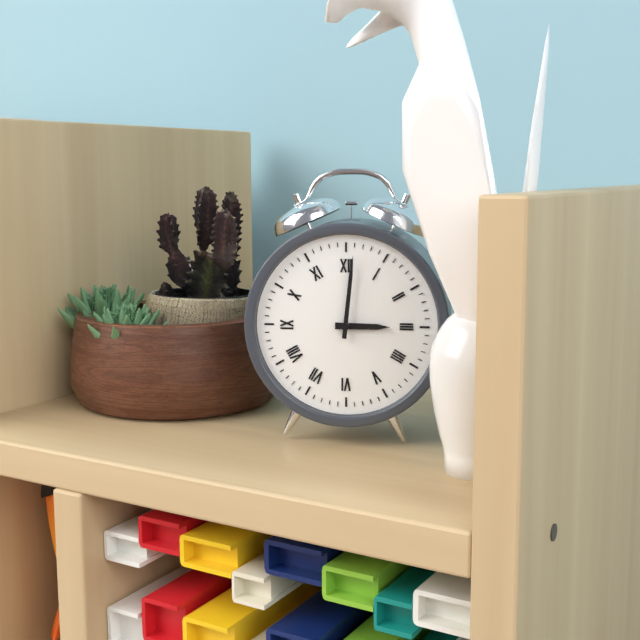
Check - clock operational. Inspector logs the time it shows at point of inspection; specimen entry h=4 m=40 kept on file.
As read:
h=3 m=1
